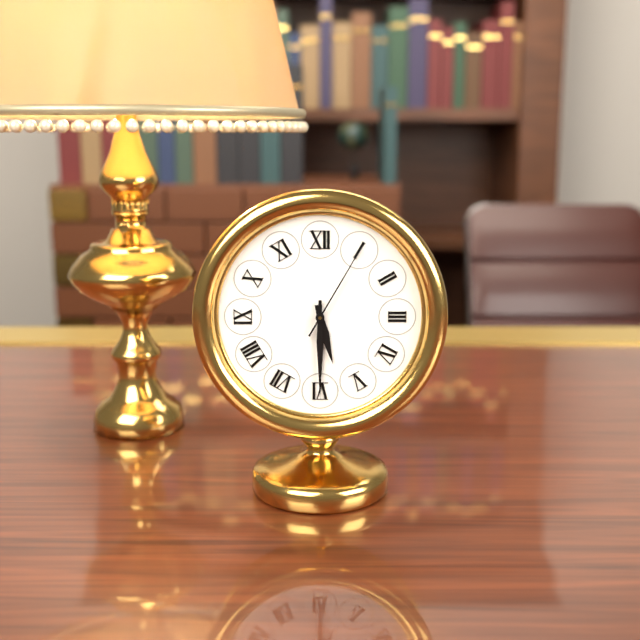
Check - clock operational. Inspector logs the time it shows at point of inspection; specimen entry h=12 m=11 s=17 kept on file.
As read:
h=5 m=30 s=5
